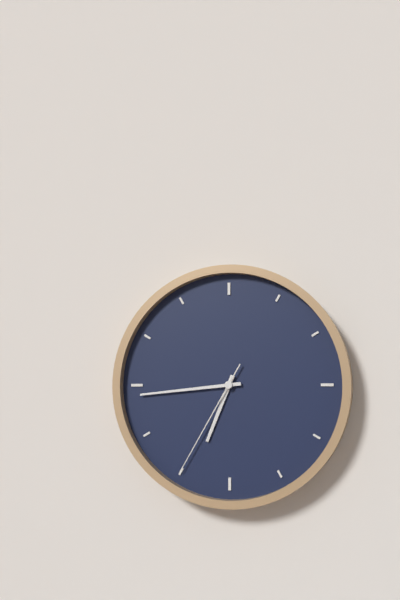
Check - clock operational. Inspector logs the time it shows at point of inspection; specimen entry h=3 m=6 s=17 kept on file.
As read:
h=6 m=44 s=35
